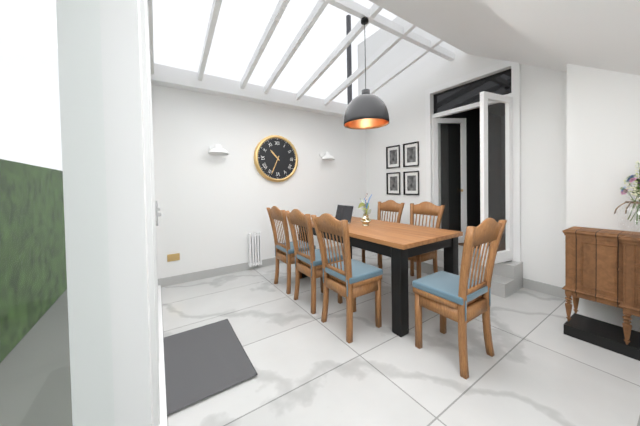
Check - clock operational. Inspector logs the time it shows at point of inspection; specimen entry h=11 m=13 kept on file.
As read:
h=10 m=34
